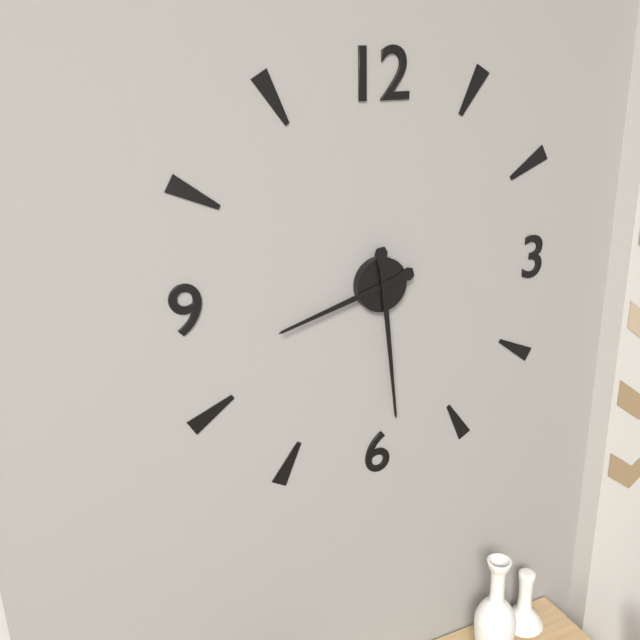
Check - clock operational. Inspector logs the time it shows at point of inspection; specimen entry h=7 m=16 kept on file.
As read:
h=8 m=29
